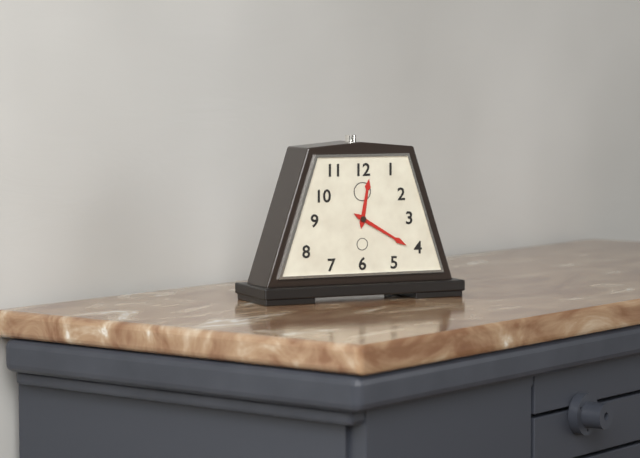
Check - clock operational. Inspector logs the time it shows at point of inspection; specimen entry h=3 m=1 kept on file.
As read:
h=12 m=20
